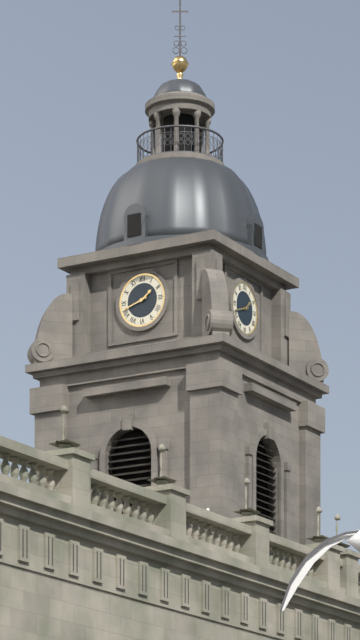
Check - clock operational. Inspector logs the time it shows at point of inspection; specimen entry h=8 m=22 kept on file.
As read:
h=1 m=42
